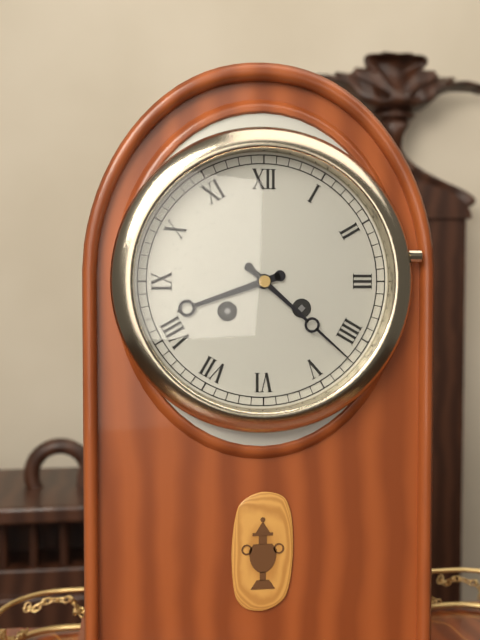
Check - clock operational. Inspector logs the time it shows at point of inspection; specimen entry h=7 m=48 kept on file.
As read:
h=8 m=22
